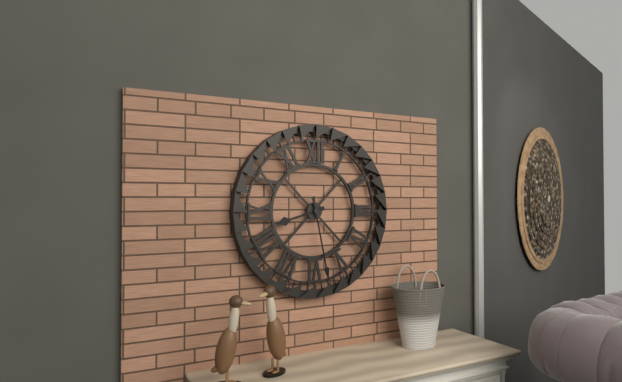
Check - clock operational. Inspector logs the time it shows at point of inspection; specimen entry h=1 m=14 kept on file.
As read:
h=8 m=28
